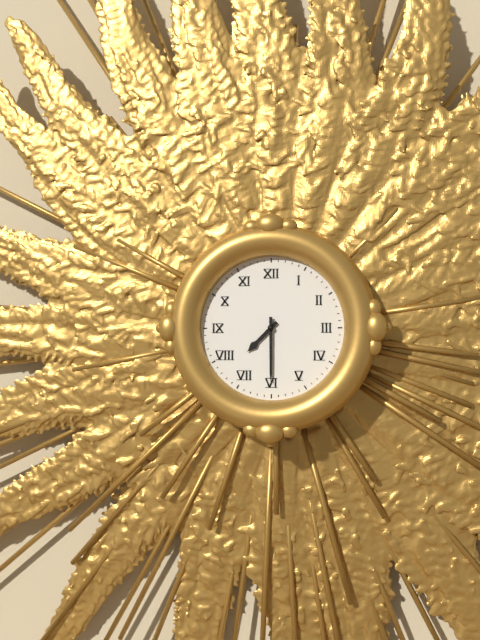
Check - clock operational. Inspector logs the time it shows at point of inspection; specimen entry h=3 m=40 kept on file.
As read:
h=7 m=30
